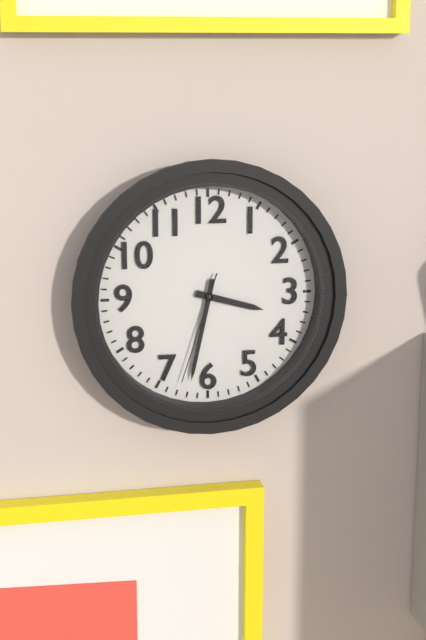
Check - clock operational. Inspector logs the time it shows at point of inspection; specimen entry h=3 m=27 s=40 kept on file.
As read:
h=3 m=32 s=33
